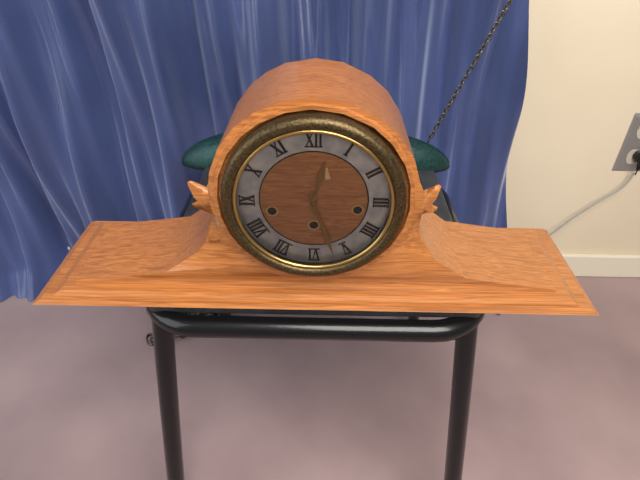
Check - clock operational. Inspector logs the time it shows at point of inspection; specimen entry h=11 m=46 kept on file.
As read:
h=12 m=27
